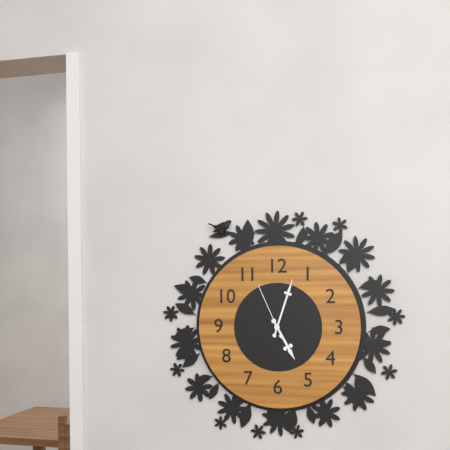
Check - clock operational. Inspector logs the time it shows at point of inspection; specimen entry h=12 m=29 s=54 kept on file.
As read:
h=5 m=3 s=56
